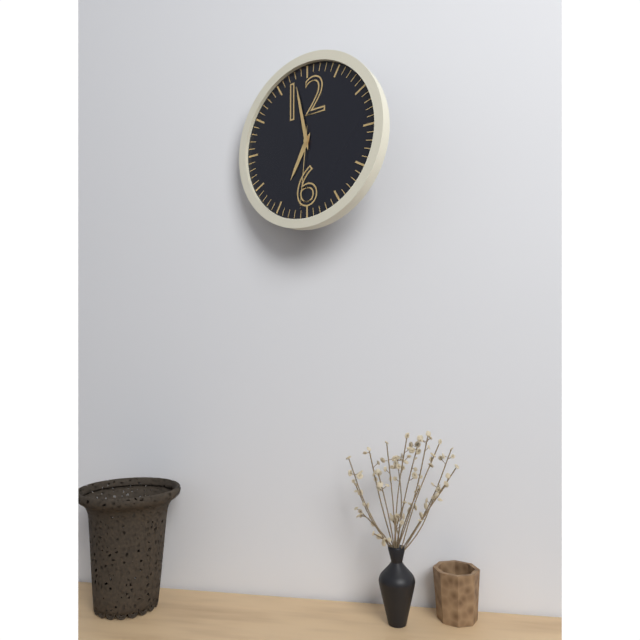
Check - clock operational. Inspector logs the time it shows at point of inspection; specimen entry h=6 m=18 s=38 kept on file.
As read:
h=6 m=58 s=31
